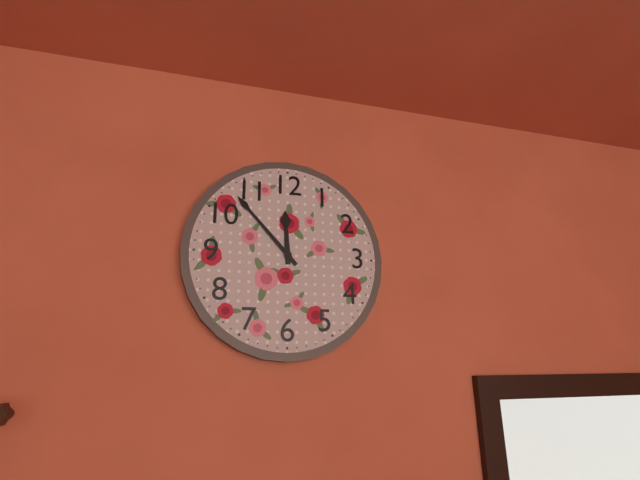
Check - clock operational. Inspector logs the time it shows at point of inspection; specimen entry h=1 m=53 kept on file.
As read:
h=11 m=53
